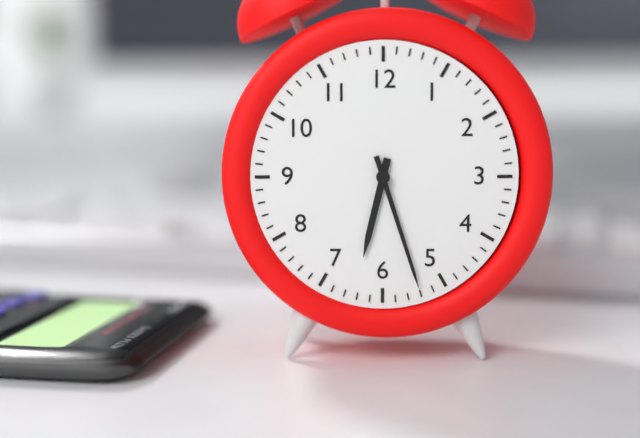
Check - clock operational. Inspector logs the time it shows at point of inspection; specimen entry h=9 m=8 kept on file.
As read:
h=6 m=27
